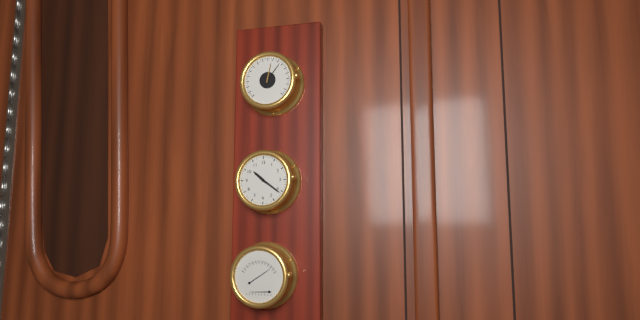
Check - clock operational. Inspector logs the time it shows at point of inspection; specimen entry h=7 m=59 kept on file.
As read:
h=10 m=21
